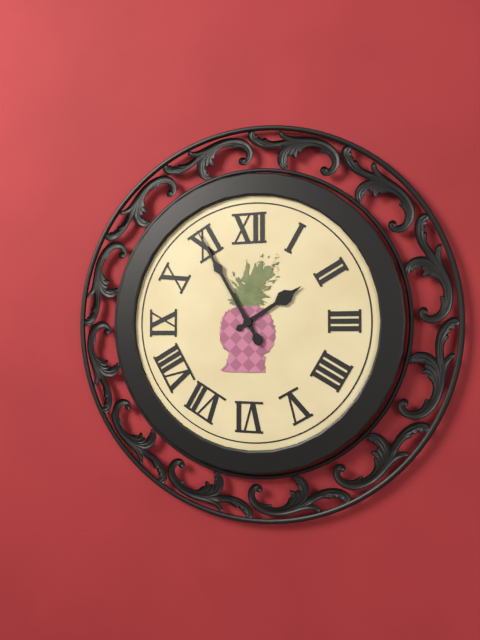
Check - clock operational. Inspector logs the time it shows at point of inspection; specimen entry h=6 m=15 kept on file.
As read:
h=1 m=55
